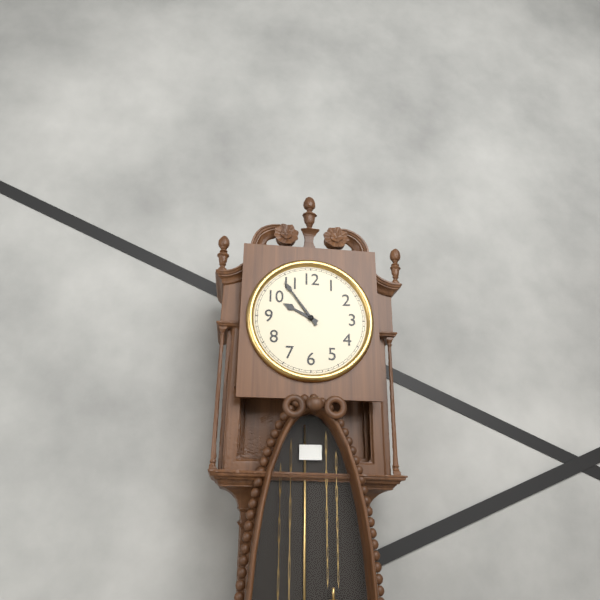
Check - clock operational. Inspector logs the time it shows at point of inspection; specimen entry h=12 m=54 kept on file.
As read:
h=9 m=54
